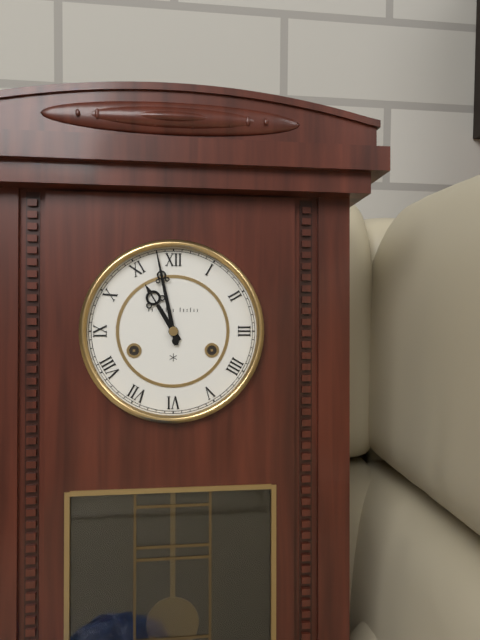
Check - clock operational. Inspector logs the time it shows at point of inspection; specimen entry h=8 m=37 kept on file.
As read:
h=10 m=58
